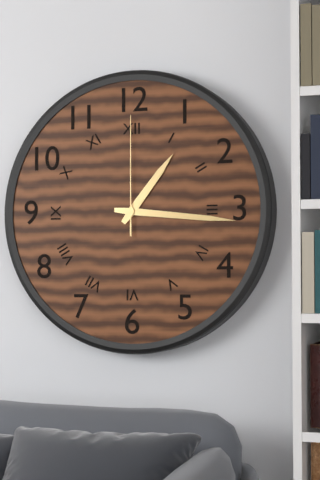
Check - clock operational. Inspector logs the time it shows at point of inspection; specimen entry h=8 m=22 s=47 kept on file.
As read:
h=1 m=16 s=0
